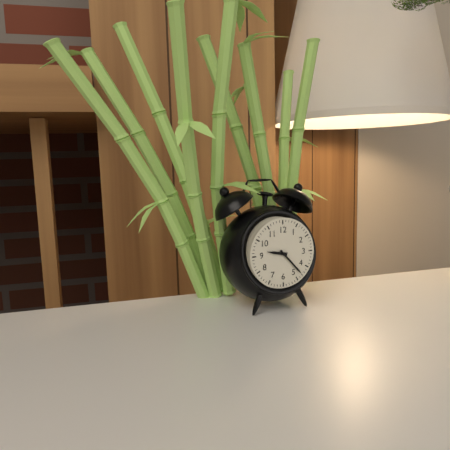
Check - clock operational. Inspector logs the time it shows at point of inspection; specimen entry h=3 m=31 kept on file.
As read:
h=9 m=23
